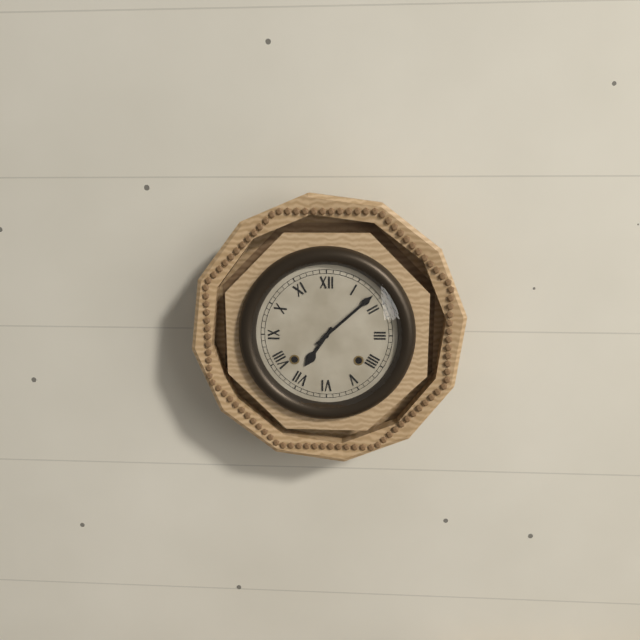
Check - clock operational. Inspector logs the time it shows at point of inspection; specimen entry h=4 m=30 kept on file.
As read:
h=7 m=8
